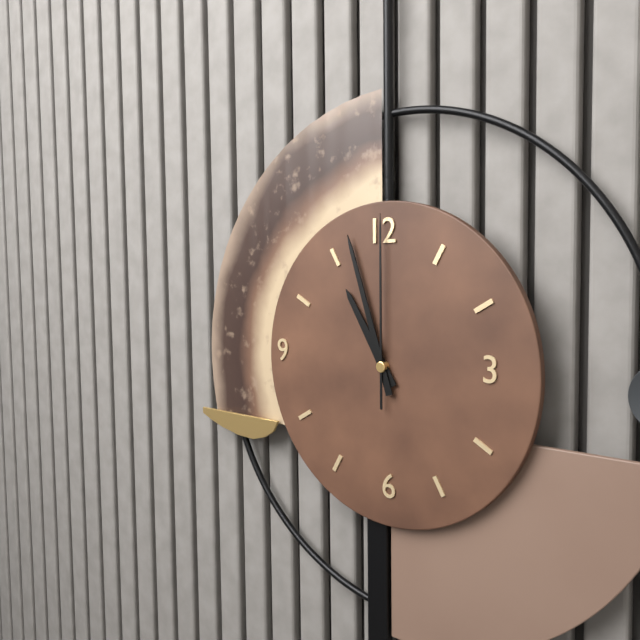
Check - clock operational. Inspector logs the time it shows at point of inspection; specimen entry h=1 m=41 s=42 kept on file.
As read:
h=10 m=57 s=0
